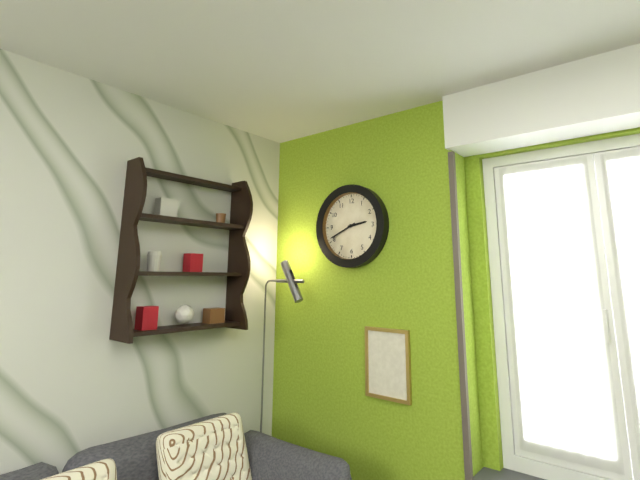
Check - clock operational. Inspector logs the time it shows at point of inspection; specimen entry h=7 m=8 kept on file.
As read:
h=2 m=41
